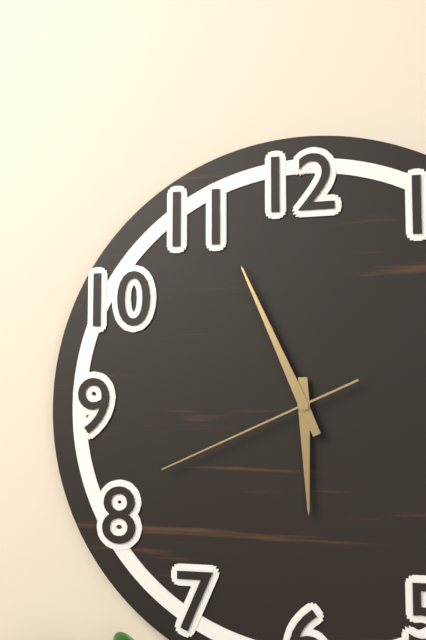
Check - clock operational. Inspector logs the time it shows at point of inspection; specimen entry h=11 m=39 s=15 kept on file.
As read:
h=5 m=56 s=41
